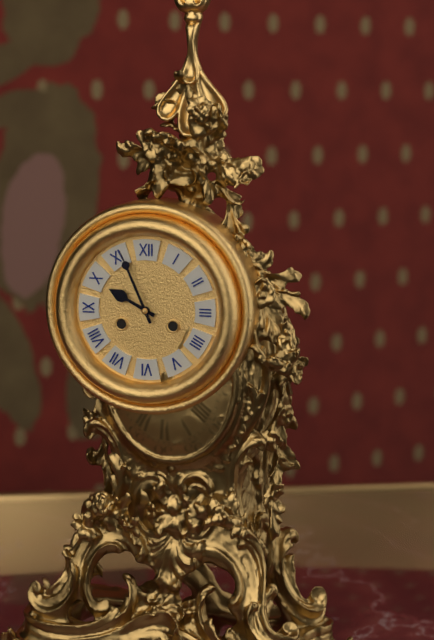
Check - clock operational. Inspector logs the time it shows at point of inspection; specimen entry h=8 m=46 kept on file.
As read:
h=9 m=56
